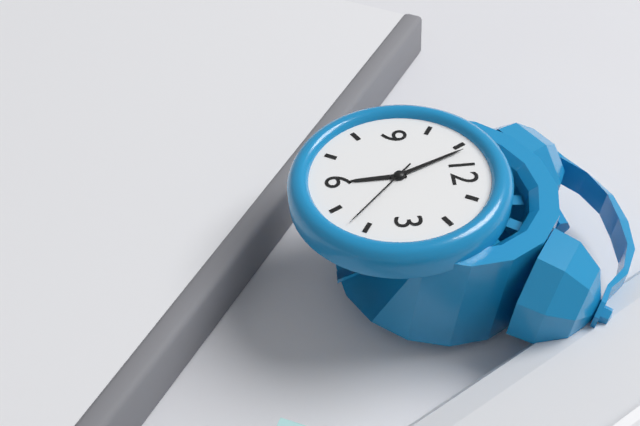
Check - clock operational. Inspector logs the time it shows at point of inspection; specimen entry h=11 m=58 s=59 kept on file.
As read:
h=5 m=56 s=22
